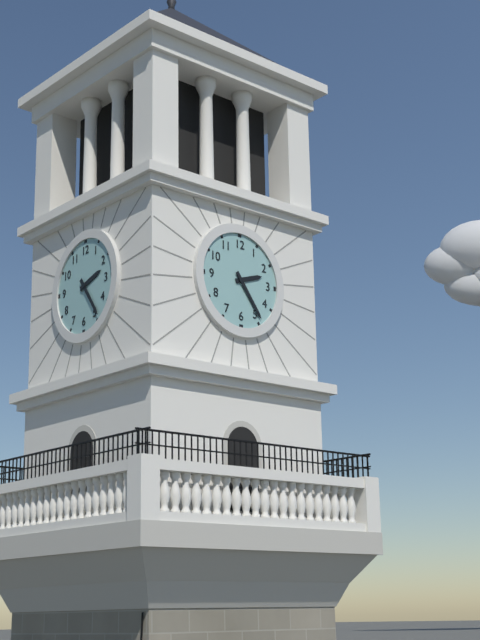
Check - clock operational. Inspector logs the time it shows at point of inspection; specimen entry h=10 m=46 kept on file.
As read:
h=2 m=24
